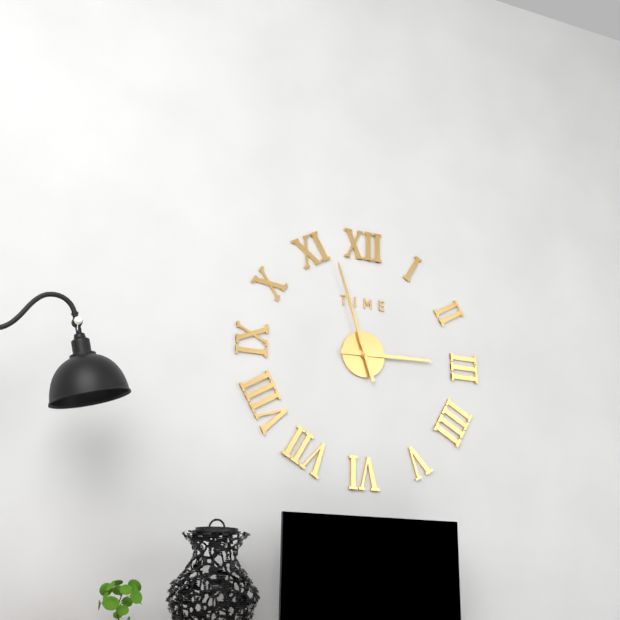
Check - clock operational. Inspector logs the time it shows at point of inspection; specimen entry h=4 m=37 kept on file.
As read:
h=2 m=57
